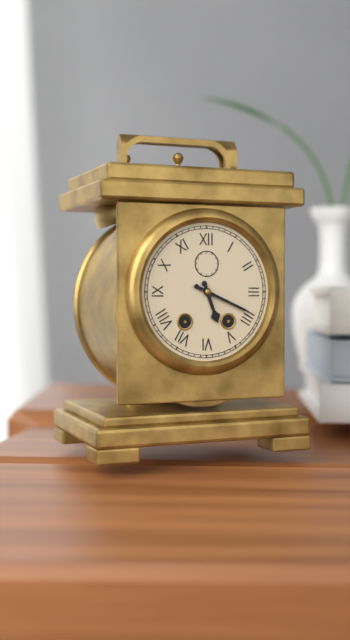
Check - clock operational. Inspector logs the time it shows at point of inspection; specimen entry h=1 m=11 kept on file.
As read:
h=5 m=19
